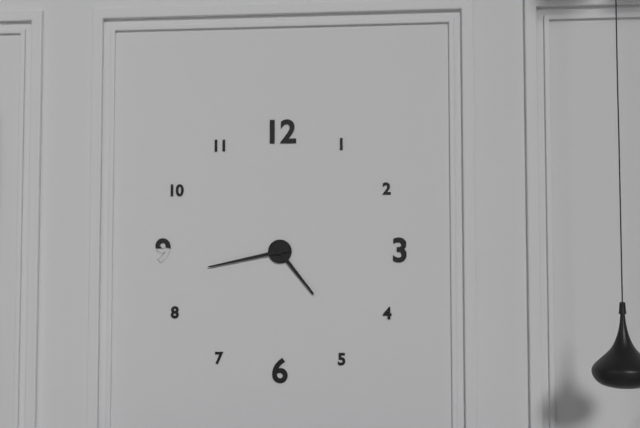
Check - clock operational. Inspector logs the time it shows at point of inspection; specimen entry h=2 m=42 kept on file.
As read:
h=4 m=43
